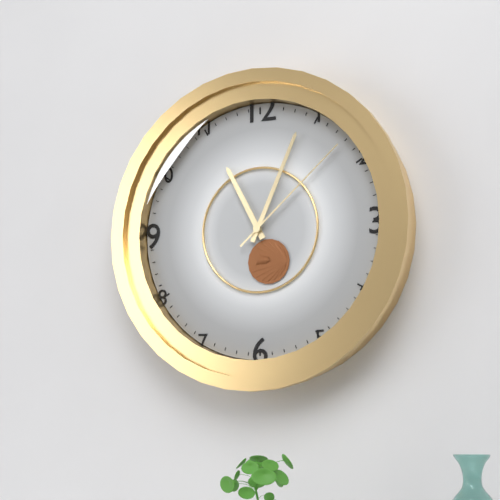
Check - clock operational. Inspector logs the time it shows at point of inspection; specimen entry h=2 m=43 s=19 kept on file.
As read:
h=11 m=4 s=8
